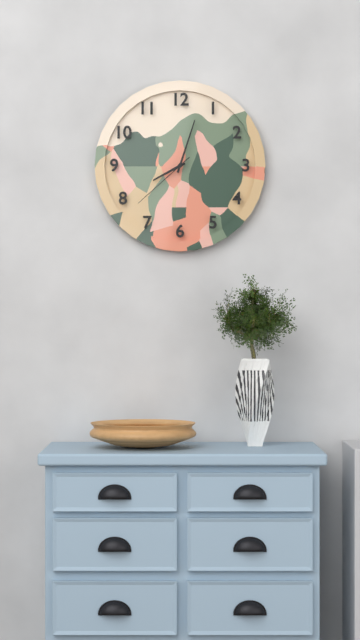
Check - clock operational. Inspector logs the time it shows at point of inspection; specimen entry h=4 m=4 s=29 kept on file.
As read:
h=8 m=3 s=38
